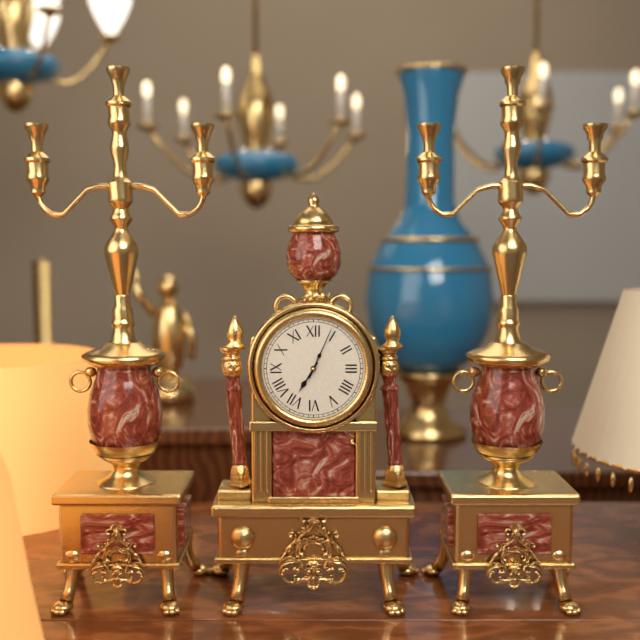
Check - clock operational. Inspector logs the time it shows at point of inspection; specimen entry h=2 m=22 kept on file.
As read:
h=7 m=4
